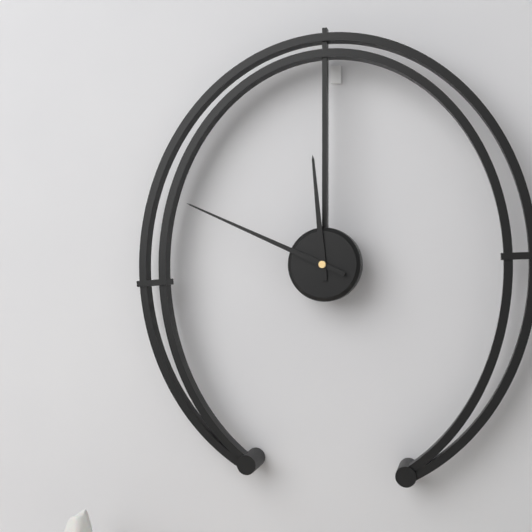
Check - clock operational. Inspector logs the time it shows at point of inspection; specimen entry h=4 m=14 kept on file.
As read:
h=11 m=49
